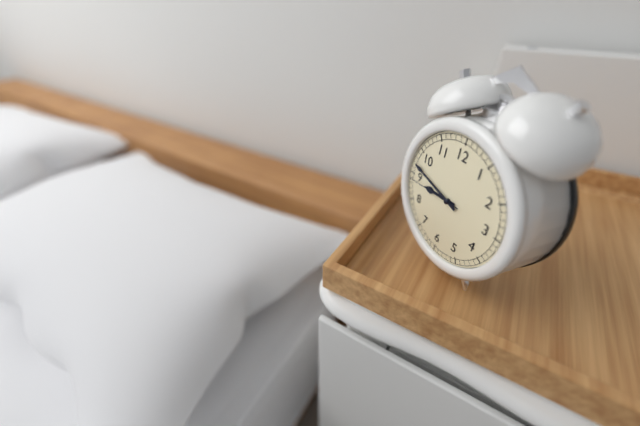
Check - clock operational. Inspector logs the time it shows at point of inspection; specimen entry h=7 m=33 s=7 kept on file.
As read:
h=8 m=47 s=44
